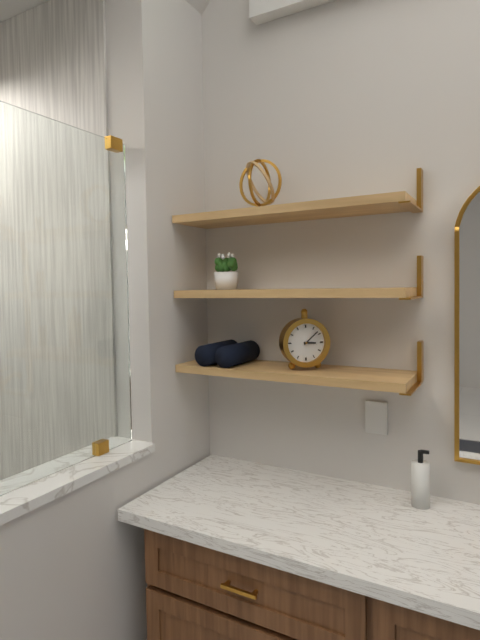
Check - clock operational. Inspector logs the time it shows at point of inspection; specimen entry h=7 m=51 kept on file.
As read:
h=3 m=8
